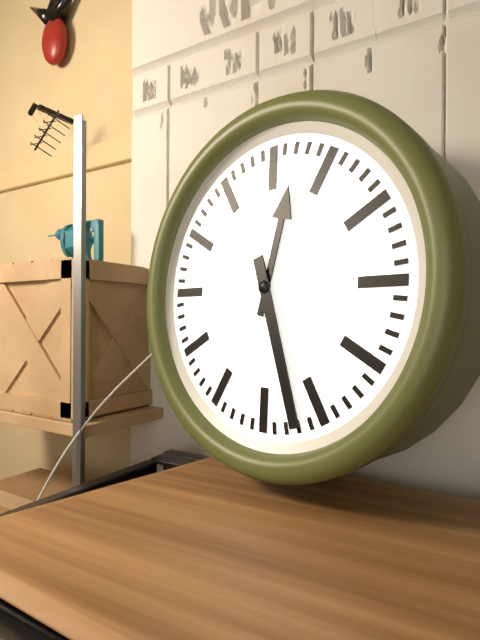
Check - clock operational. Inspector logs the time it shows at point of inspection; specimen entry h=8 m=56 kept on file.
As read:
h=12 m=27
